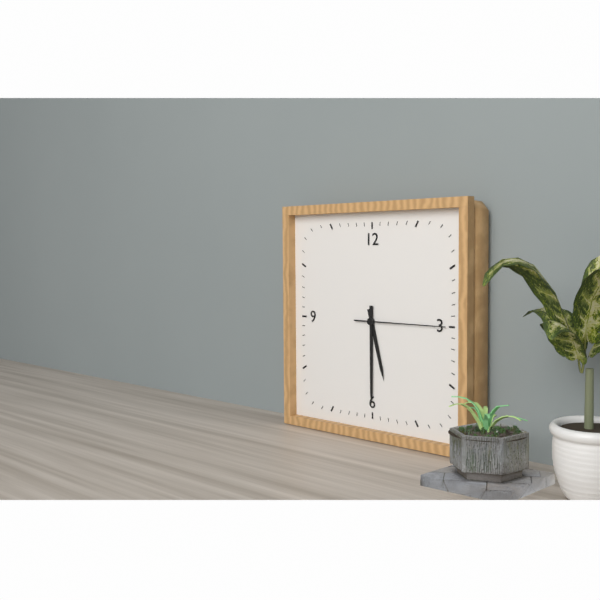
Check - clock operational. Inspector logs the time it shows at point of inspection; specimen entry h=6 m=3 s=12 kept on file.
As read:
h=5 m=30 s=15
